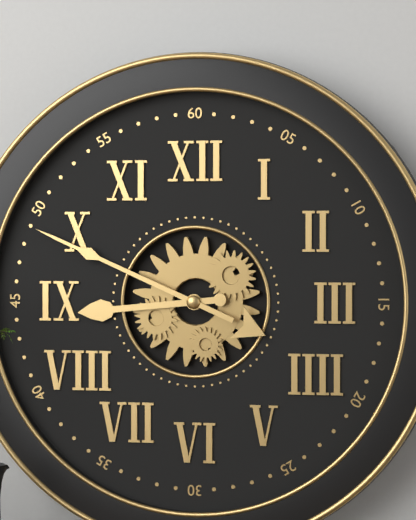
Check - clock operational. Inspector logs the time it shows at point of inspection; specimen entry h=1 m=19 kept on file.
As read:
h=8 m=49
